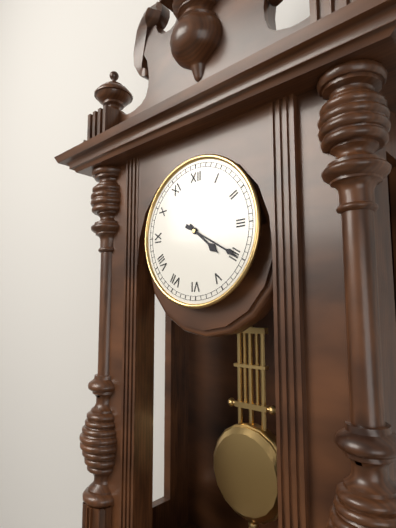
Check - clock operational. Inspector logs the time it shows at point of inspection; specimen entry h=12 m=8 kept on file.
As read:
h=4 m=20
